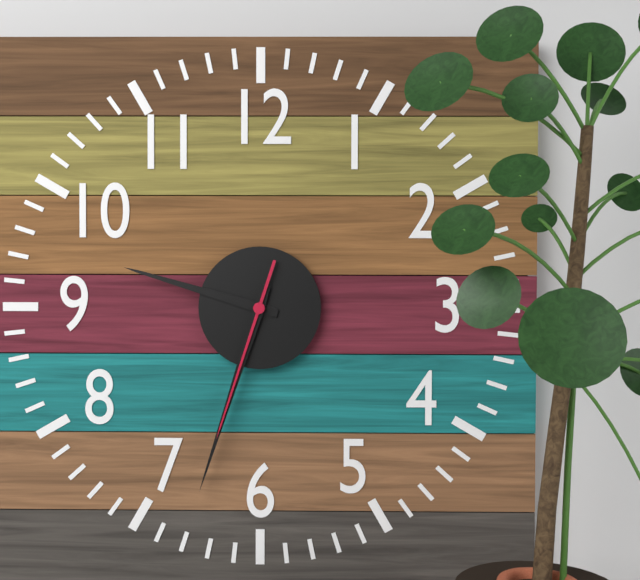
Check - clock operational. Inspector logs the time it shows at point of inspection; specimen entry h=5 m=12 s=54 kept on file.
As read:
h=9 m=33 s=33
